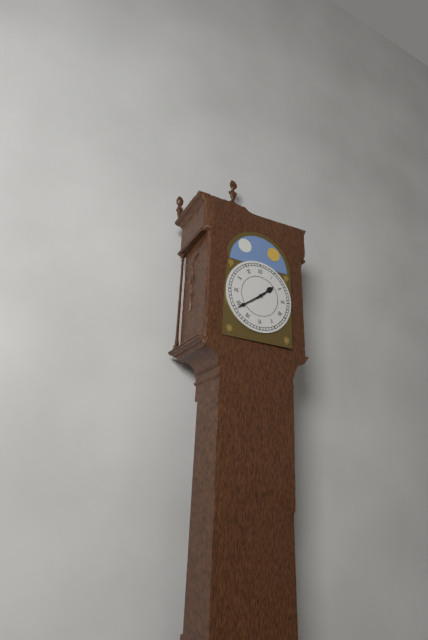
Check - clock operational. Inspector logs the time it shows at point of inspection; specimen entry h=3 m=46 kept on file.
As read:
h=1 m=39
